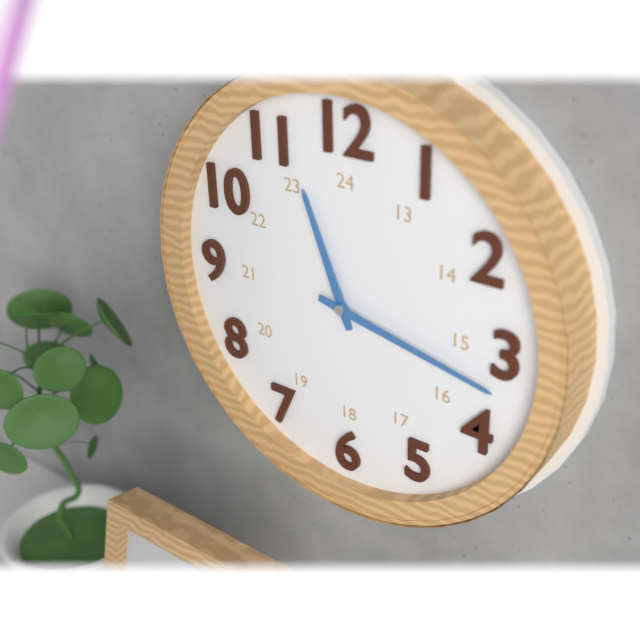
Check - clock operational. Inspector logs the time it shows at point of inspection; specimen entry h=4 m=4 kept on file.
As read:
h=11 m=17
